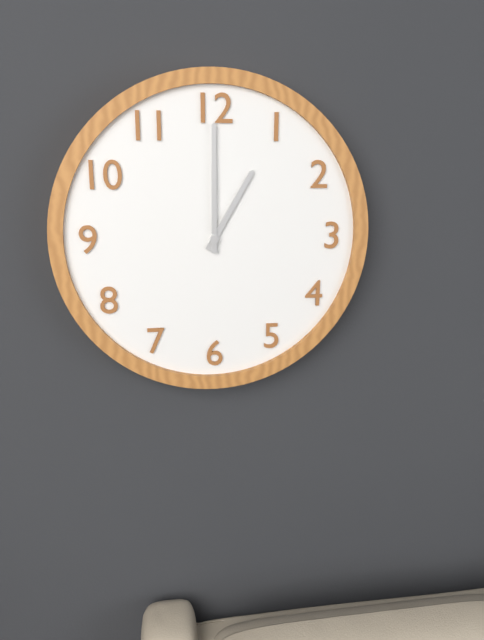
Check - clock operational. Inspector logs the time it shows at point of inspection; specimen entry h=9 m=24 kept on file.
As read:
h=1 m=0
